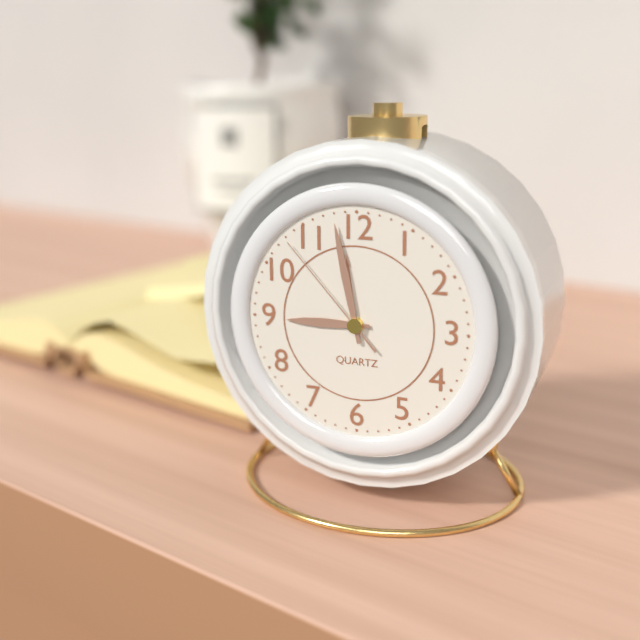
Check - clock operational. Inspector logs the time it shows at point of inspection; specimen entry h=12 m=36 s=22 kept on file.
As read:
h=8 m=58 s=53
